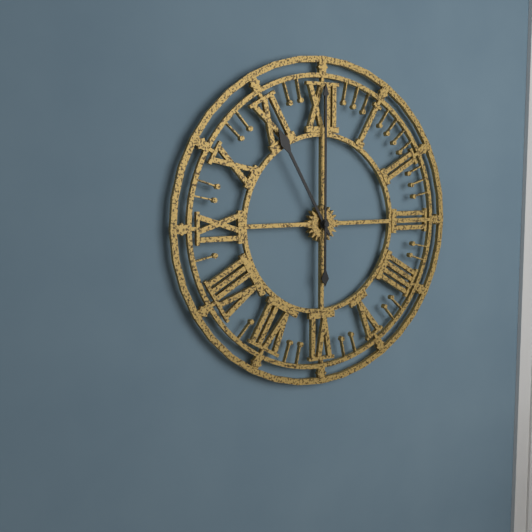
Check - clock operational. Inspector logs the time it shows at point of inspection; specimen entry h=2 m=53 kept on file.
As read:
h=11 m=0
